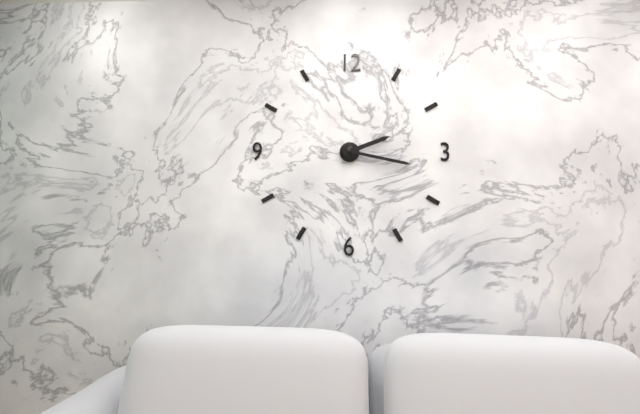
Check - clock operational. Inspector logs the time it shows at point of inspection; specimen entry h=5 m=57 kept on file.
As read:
h=2 m=17
